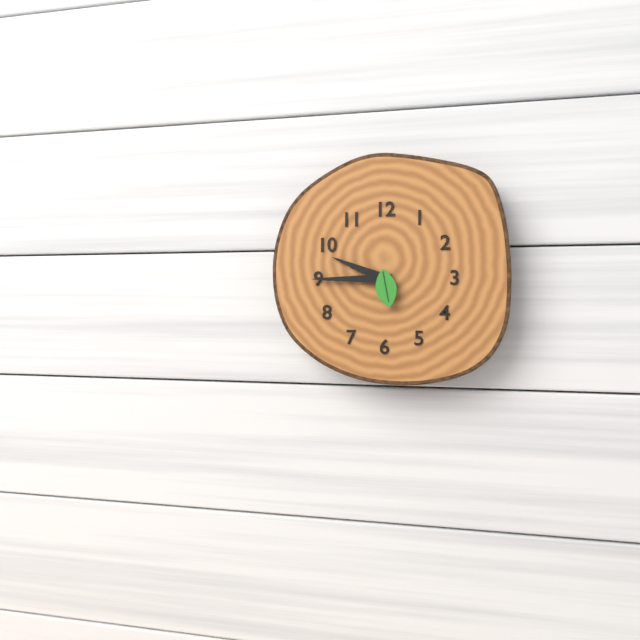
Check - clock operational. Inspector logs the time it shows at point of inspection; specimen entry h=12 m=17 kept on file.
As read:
h=9 m=45
